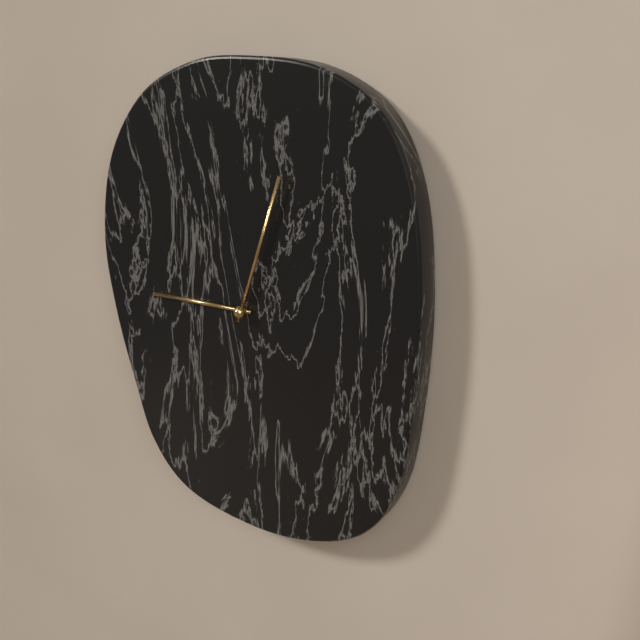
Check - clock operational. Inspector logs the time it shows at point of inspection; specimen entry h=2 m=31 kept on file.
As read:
h=9 m=3
